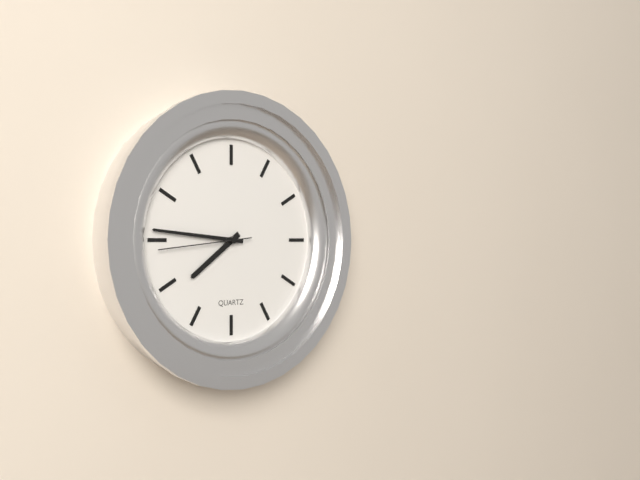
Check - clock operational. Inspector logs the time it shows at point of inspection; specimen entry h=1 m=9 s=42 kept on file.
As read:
h=7 m=46 s=44
